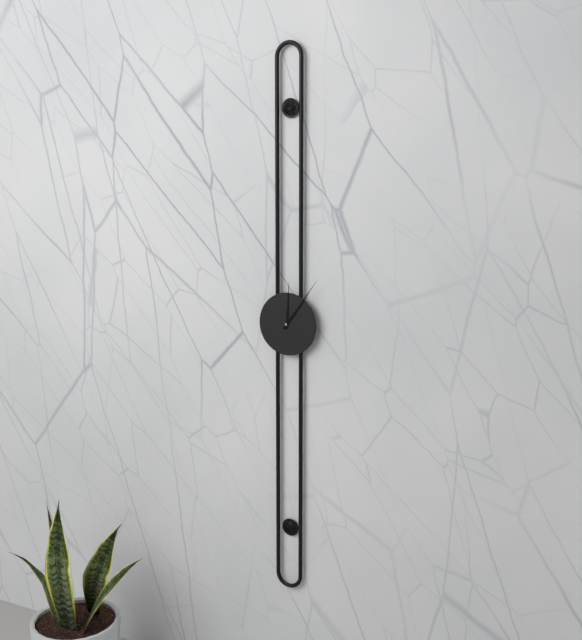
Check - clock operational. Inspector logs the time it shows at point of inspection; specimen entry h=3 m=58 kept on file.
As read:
h=12 m=6
